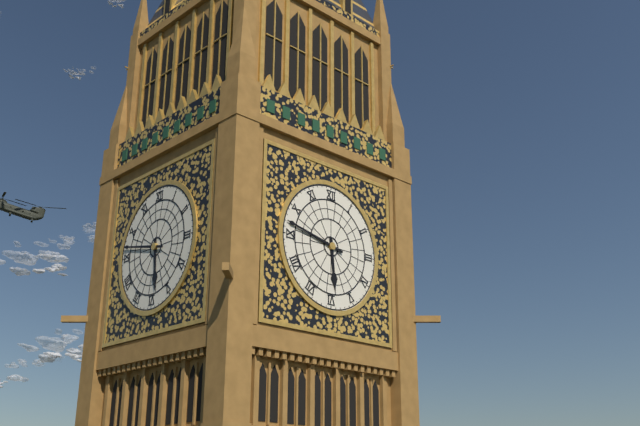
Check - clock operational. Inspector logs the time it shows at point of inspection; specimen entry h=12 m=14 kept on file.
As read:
h=5 m=47
